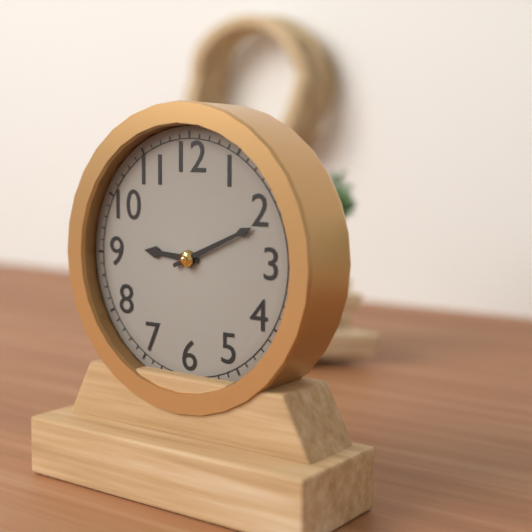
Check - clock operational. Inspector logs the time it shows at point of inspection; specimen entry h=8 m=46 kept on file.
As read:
h=9 m=11
